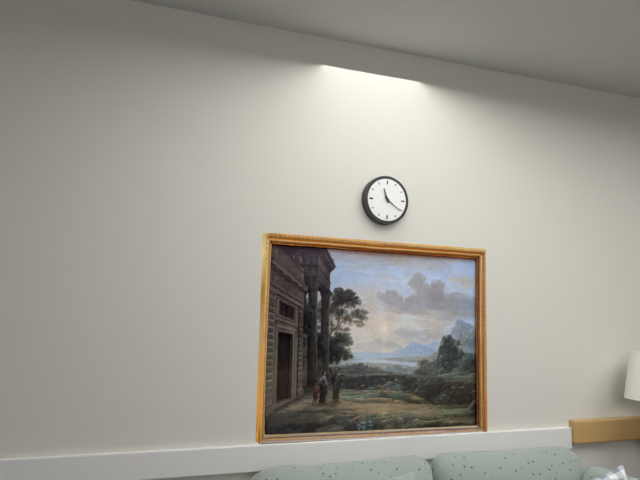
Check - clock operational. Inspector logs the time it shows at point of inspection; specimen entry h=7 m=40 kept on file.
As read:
h=11 m=21
